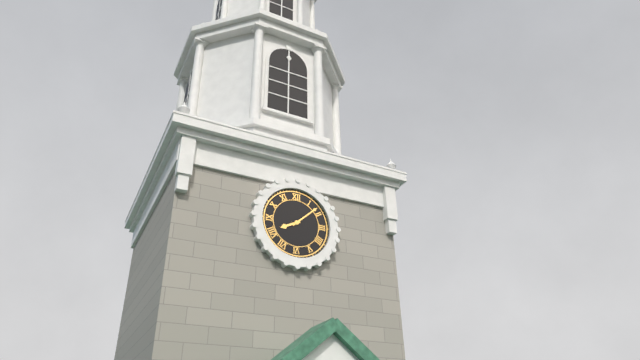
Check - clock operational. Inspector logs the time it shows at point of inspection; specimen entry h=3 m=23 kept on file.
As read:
h=8 m=8
